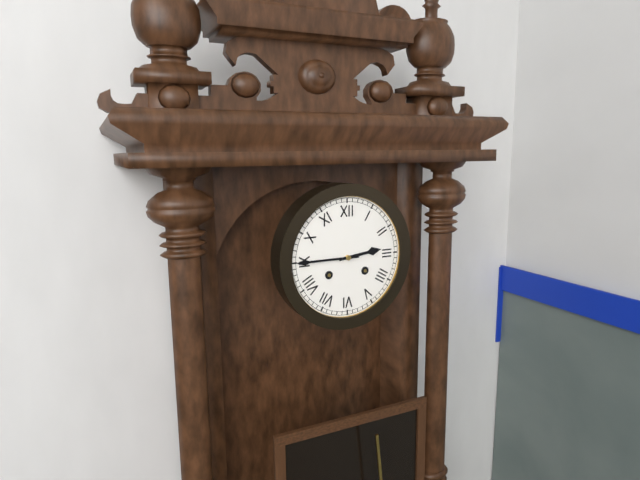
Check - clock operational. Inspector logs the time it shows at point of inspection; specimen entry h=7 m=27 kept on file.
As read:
h=2 m=45
